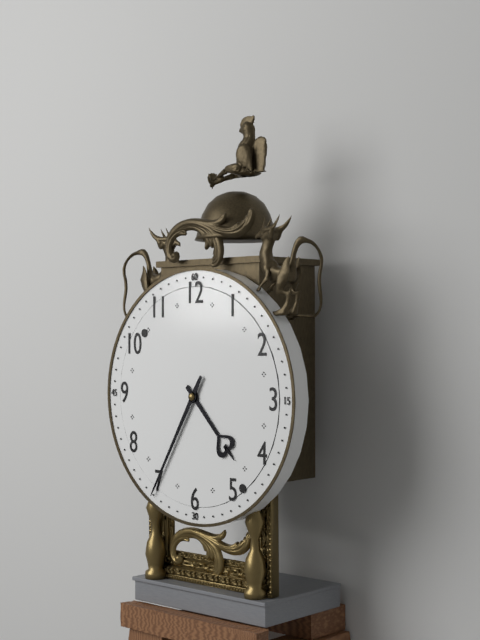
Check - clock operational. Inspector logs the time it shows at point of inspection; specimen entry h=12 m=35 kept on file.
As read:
h=4 m=35
